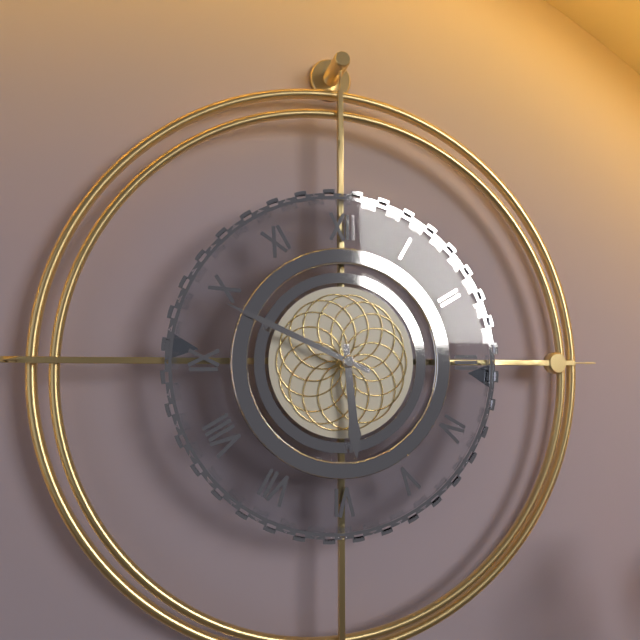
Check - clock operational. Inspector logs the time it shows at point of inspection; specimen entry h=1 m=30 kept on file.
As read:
h=5 m=49
